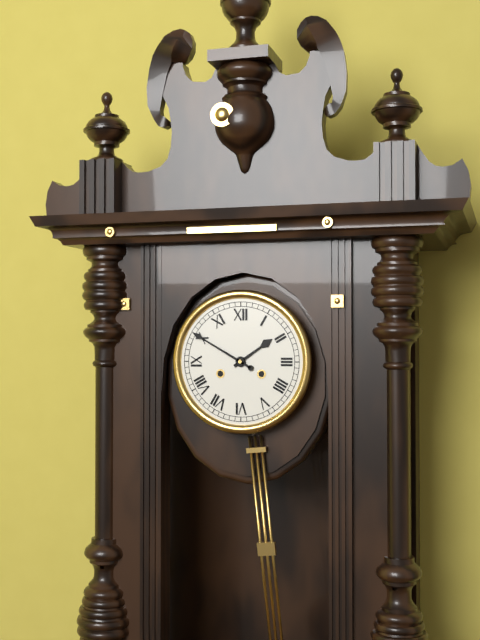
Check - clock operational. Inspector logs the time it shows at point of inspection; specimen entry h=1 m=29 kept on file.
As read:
h=1 m=50
